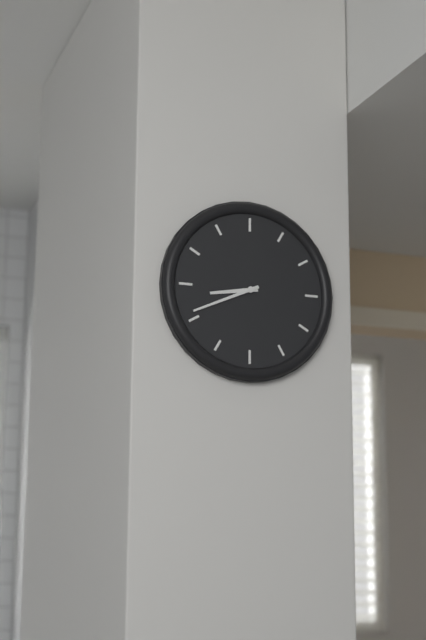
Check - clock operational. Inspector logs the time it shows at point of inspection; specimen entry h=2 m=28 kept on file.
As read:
h=8 m=41
